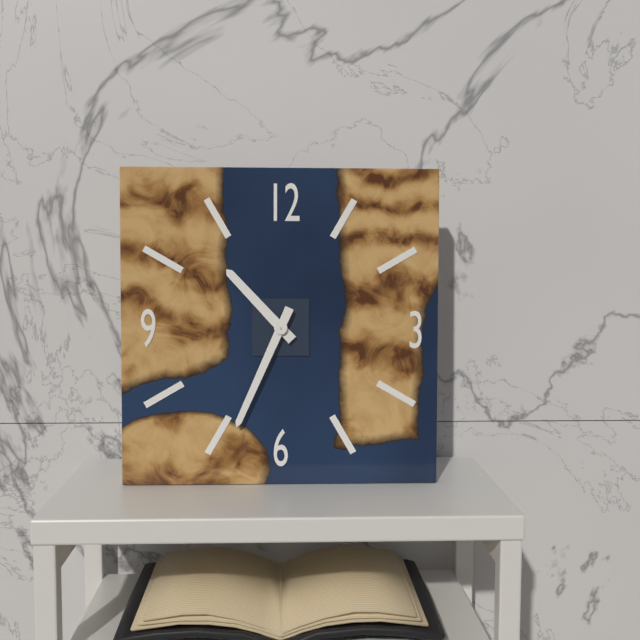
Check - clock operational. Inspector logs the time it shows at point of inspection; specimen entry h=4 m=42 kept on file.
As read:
h=10 m=34
